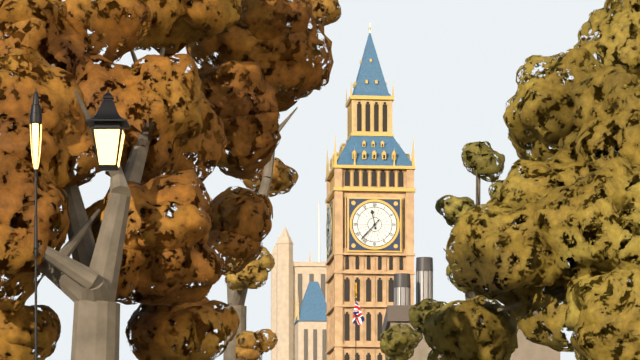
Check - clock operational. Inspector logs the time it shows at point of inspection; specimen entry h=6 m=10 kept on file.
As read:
h=11 m=37
